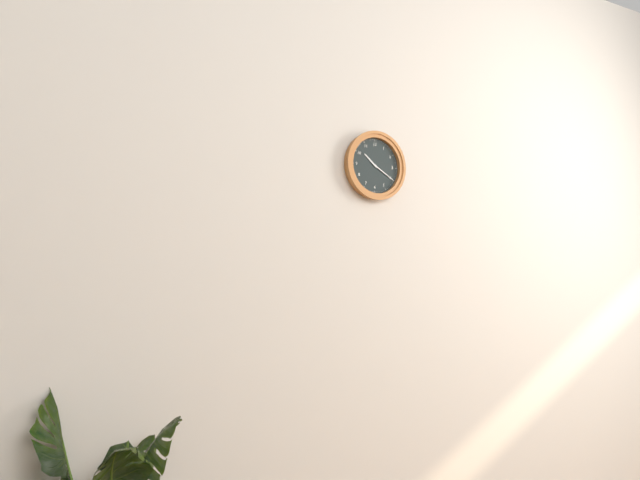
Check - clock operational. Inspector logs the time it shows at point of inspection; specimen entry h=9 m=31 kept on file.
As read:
h=10 m=20
